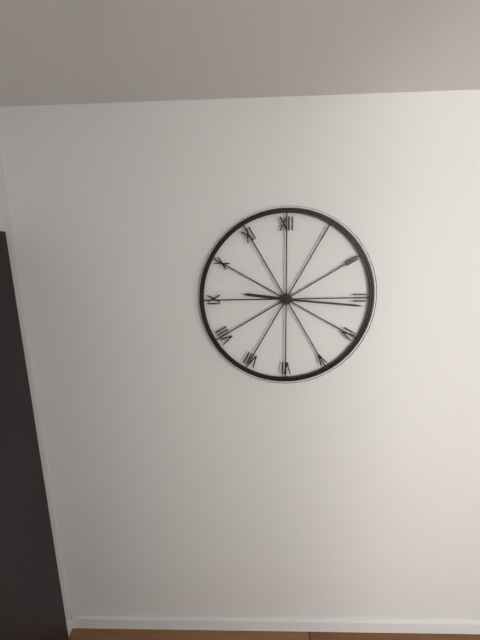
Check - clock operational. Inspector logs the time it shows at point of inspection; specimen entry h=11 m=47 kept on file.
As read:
h=9 m=16
